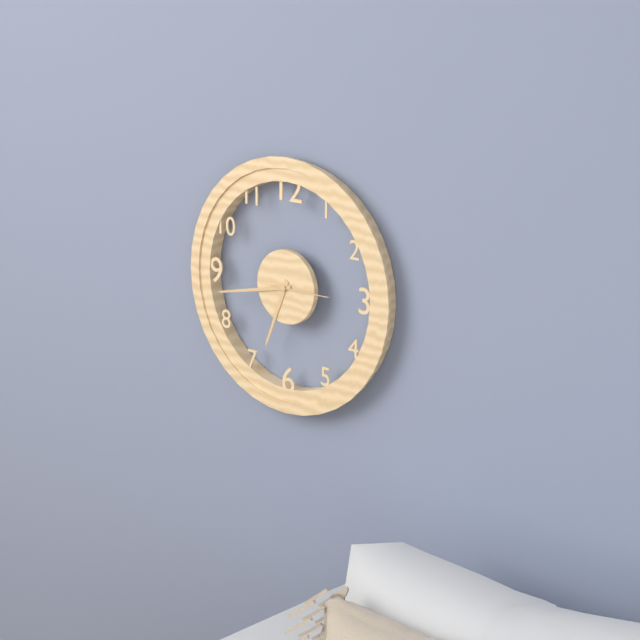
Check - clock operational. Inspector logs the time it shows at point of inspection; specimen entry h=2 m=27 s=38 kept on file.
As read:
h=6 m=43 s=15
